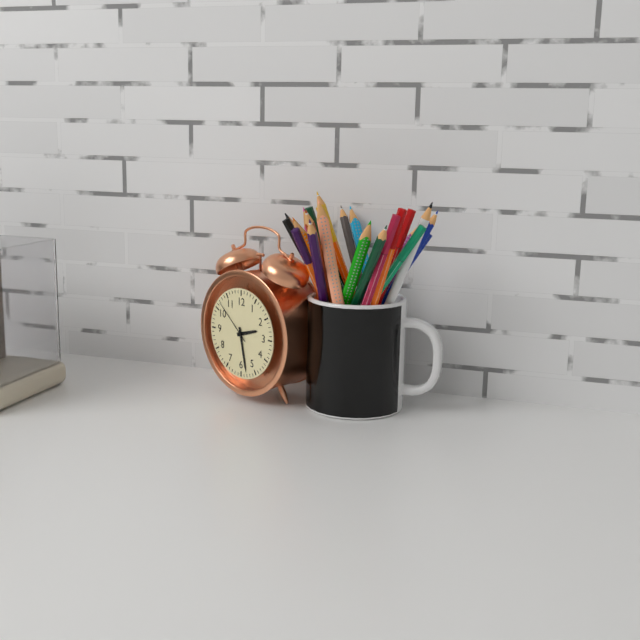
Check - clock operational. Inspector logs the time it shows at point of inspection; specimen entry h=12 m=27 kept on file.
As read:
h=2 m=28
